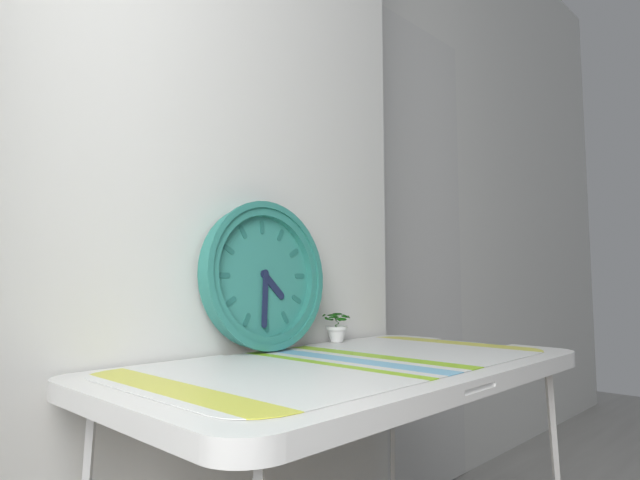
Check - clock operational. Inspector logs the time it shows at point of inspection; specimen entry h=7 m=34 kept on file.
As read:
h=4 m=31
